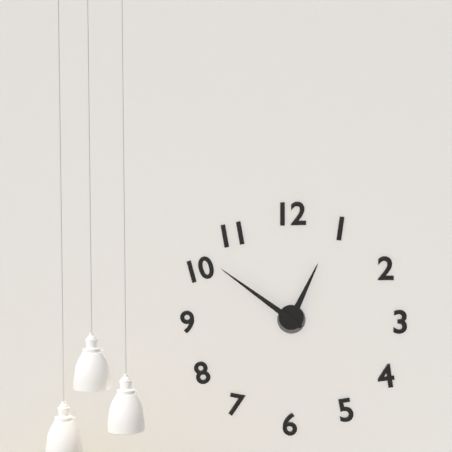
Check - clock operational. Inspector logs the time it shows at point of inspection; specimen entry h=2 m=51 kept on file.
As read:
h=12 m=51
